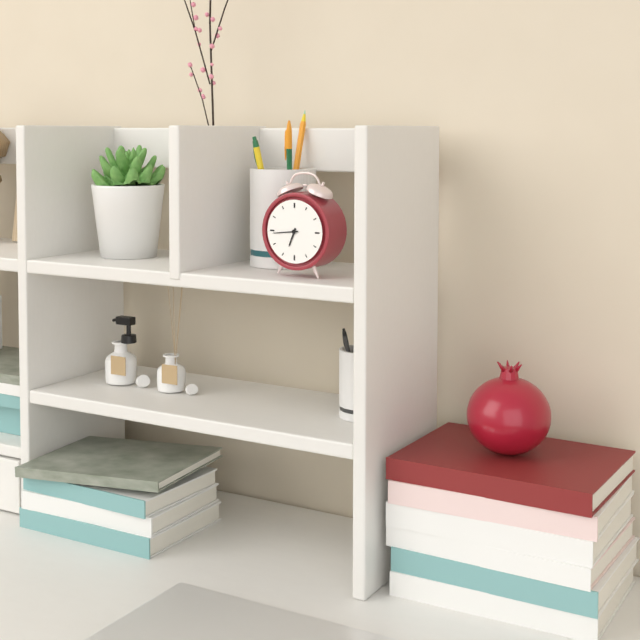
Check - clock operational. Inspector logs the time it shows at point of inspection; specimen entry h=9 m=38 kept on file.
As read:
h=6 m=44
